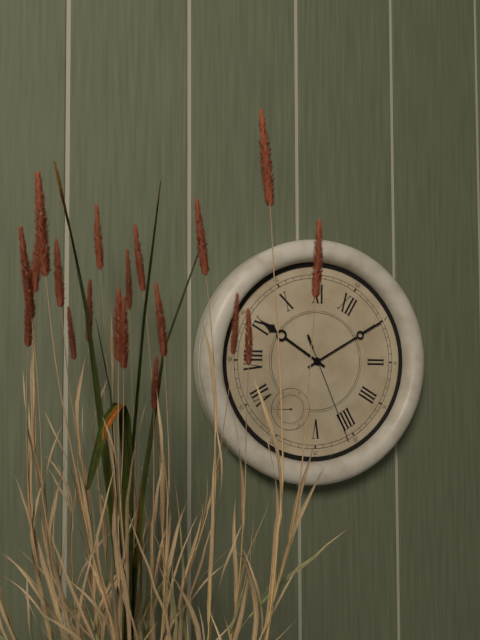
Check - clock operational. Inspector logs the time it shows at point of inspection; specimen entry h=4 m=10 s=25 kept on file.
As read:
h=9 m=5 s=21
